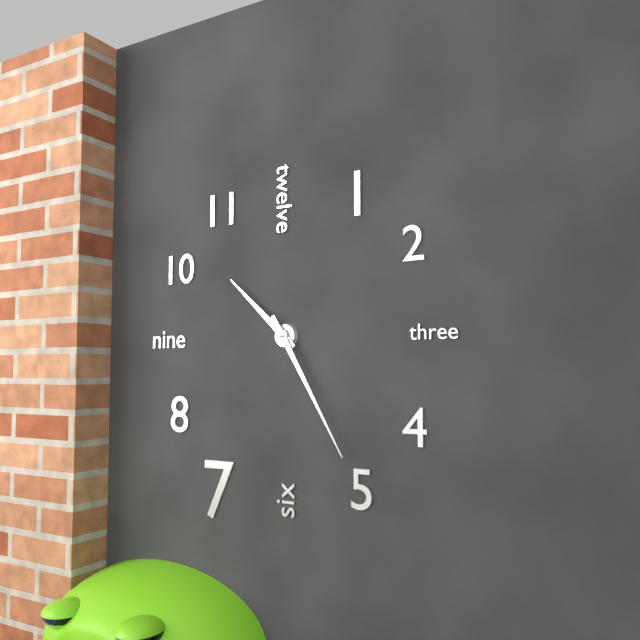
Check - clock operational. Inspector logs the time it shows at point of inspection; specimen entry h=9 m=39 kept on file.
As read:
h=10 m=25
